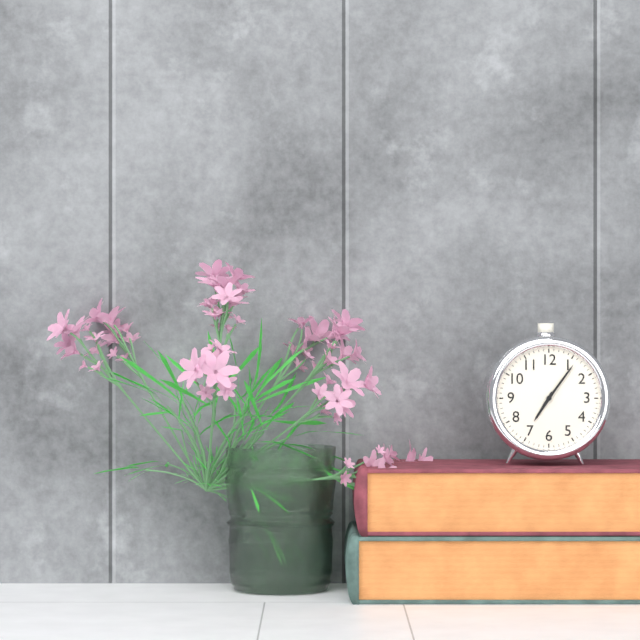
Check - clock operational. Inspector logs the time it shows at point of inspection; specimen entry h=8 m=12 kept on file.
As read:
h=7 m=6
